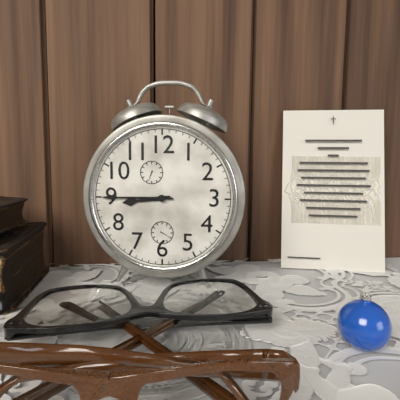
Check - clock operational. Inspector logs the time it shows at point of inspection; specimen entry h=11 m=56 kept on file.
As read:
h=8 m=45
